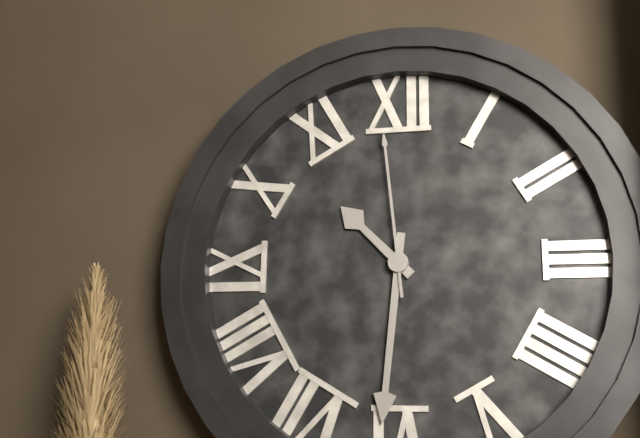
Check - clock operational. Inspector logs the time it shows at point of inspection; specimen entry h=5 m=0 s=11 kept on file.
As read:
h=10 m=31 s=59
